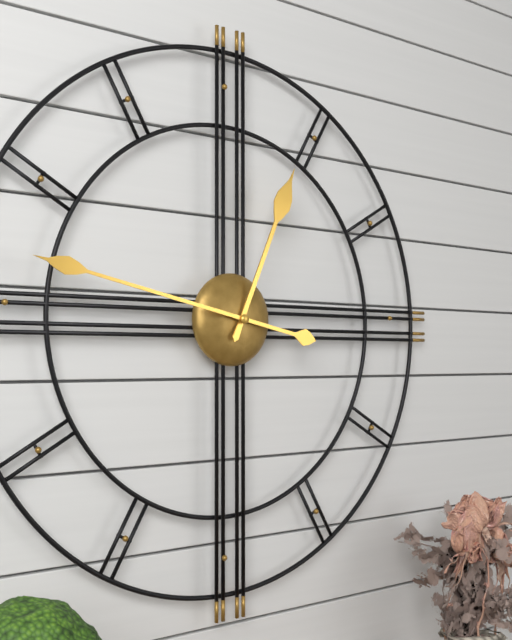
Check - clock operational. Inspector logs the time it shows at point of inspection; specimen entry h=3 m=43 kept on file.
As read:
h=12 m=47
